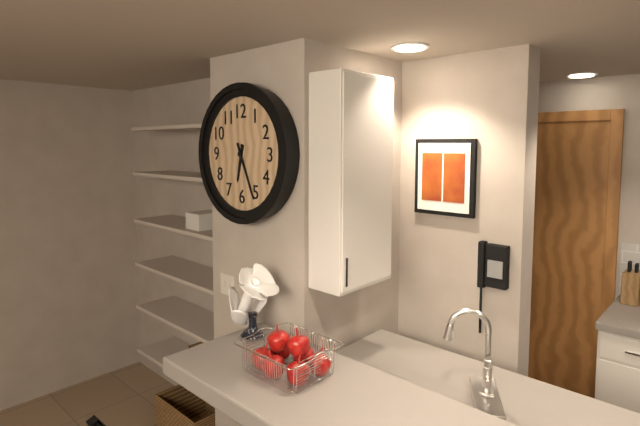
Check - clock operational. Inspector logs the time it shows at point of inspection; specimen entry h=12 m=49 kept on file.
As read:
h=6 m=26
